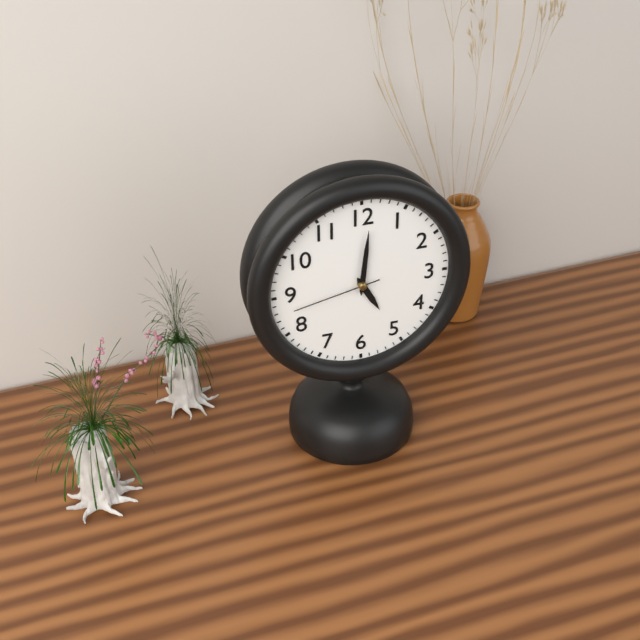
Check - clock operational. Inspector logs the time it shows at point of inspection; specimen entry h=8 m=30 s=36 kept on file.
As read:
h=5 m=1 s=43
